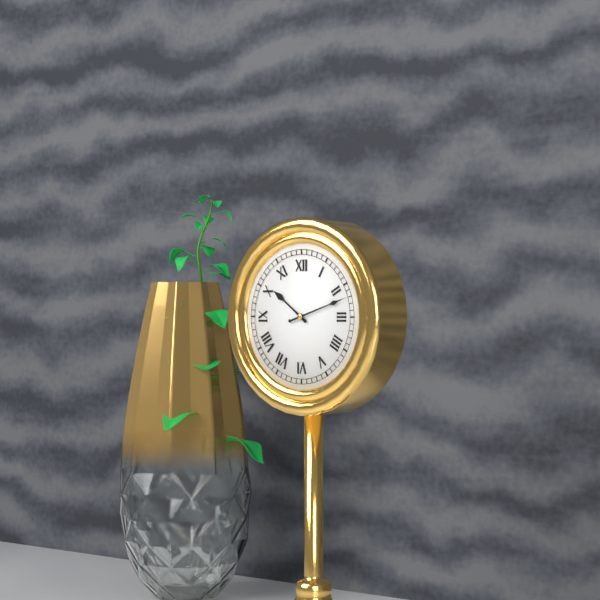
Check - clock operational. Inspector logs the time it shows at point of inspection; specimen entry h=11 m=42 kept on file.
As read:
h=10 m=12
